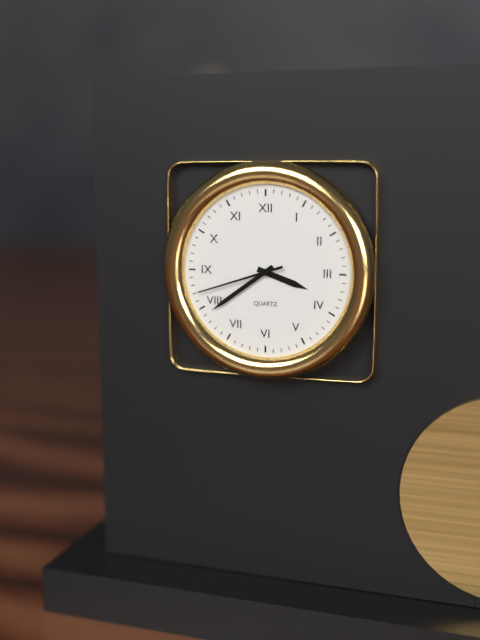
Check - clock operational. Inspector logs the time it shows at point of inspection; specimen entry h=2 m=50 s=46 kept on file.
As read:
h=3 m=39 s=42
